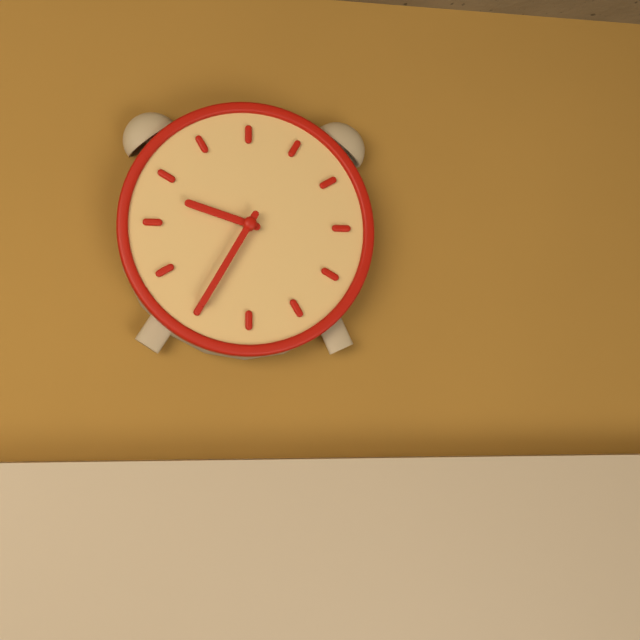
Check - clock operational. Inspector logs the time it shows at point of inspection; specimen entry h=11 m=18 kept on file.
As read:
h=9 m=35
